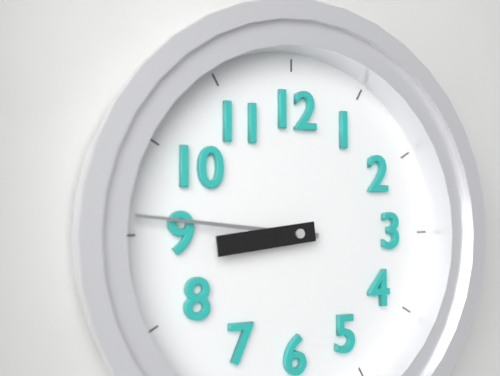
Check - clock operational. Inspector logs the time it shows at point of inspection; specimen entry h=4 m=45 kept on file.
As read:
h=8 m=46
